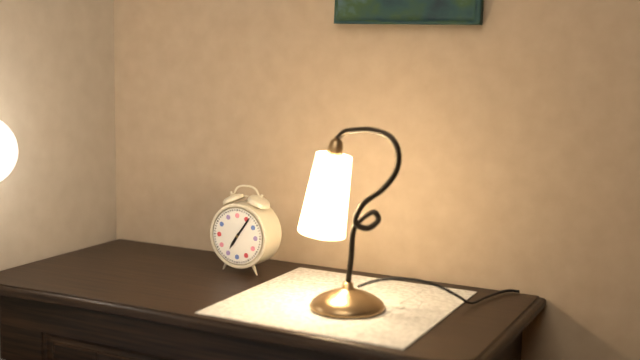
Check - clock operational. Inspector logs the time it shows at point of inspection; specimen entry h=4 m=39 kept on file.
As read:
h=7 m=6
